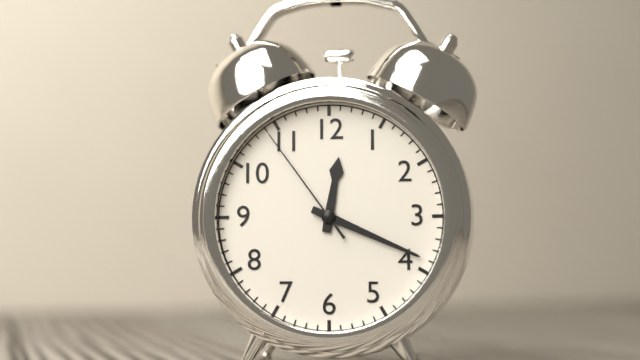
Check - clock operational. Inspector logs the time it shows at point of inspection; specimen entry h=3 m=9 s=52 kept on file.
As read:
h=12 m=19 s=54
